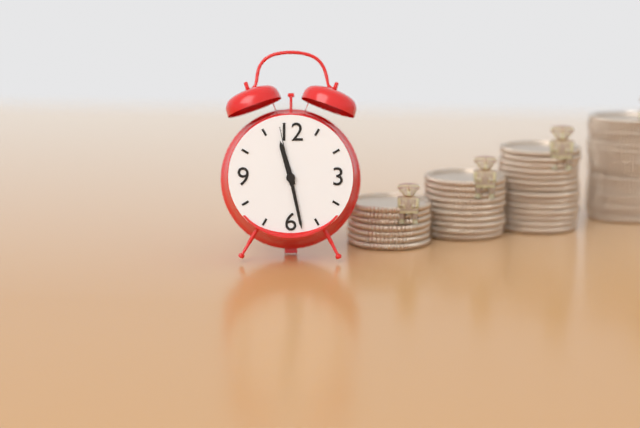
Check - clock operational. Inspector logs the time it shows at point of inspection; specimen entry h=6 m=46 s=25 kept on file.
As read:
h=11 m=28 s=58
